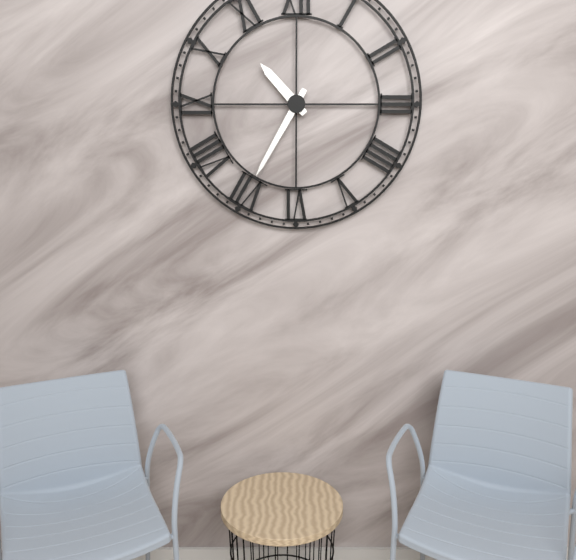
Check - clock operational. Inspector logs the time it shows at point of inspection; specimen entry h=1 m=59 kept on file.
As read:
h=10 m=35
